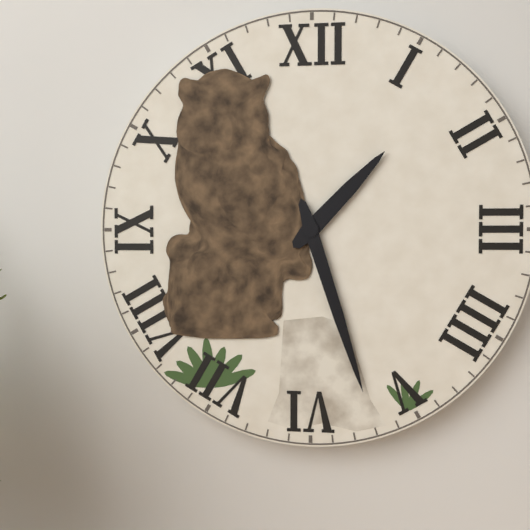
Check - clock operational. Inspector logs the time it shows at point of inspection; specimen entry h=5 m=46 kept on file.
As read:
h=1 m=27
